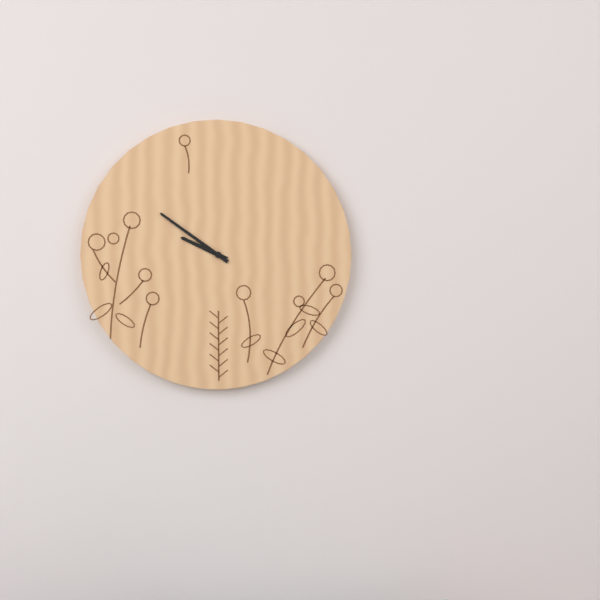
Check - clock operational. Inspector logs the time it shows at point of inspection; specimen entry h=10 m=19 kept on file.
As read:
h=9 m=51
